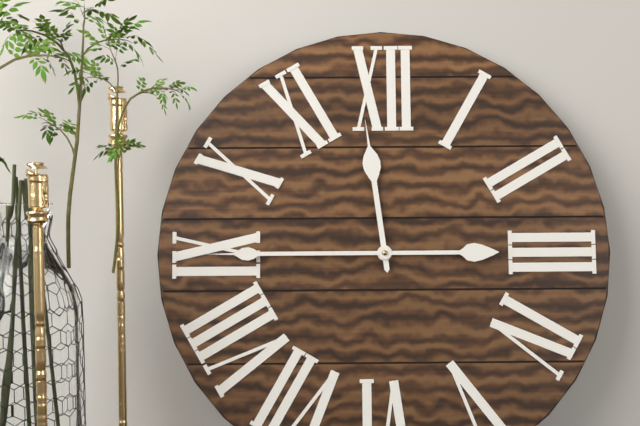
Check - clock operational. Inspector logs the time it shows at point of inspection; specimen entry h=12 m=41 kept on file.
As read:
h=11 m=45
